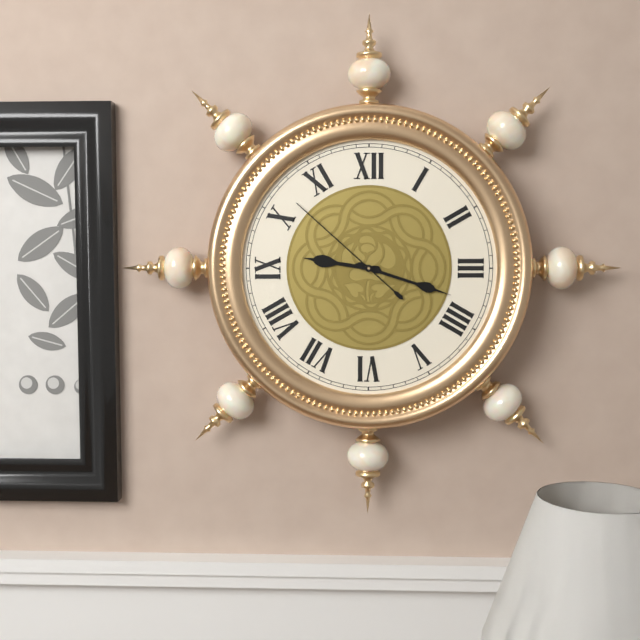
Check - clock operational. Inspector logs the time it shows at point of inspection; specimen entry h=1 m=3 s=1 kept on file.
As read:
h=9 m=18 s=52
